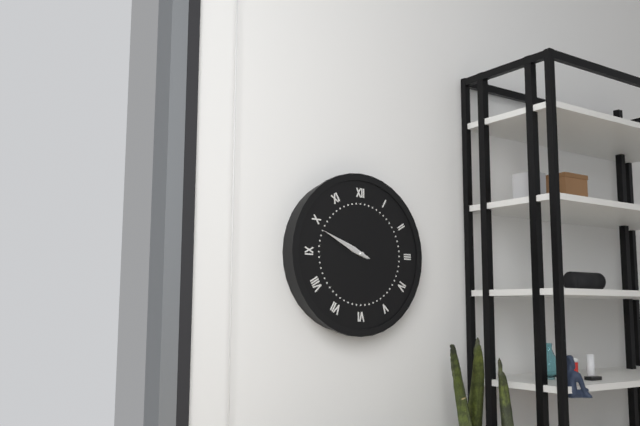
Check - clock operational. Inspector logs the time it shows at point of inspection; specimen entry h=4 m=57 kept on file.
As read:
h=9 m=49
